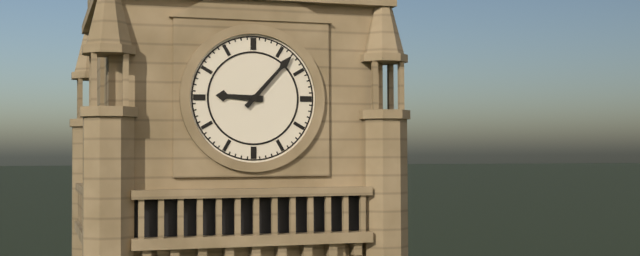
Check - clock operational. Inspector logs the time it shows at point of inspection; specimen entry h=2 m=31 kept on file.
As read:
h=9 m=7
